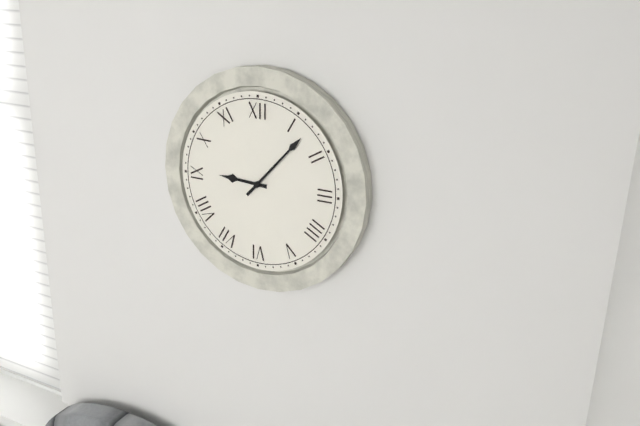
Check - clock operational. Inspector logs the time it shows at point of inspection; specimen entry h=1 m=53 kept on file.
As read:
h=9 m=7
